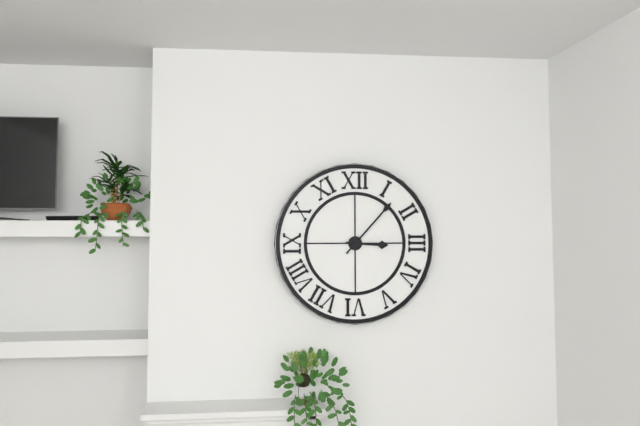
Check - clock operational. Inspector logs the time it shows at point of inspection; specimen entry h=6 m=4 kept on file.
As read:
h=3 m=7
